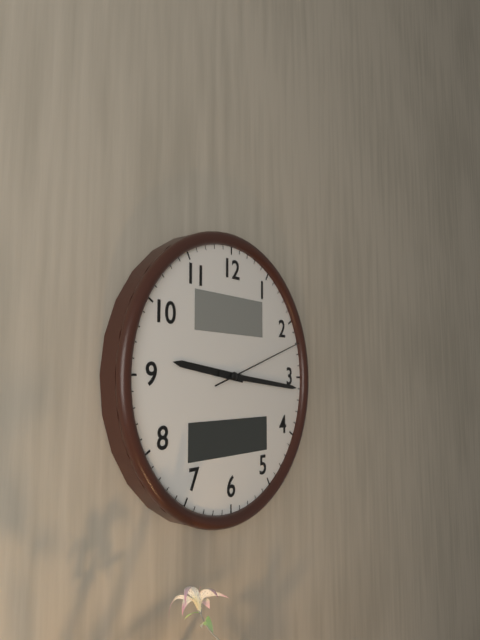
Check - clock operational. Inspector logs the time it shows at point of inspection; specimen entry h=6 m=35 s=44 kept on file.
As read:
h=9 m=16 s=12
